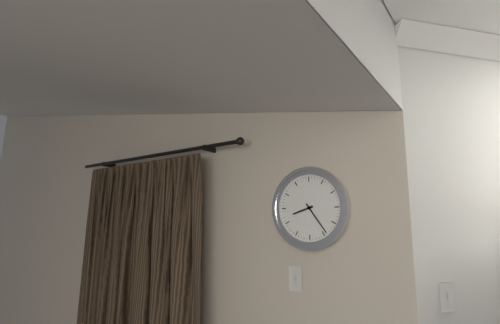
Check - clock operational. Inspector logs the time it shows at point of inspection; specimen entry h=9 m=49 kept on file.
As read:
h=8 m=24
